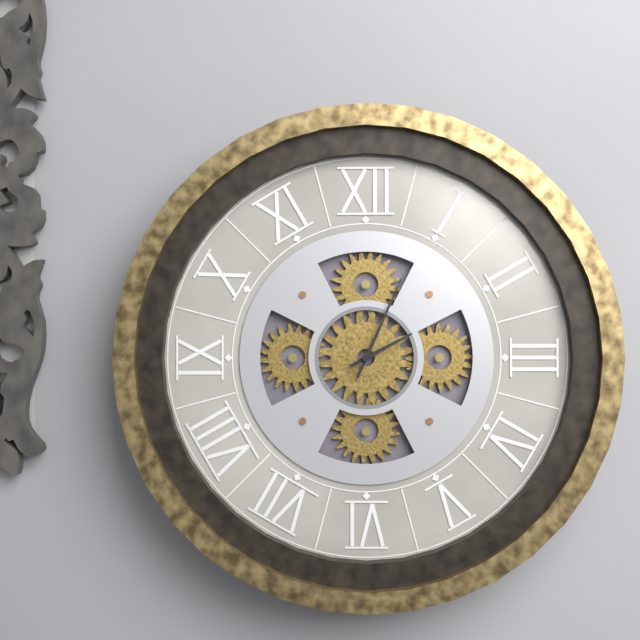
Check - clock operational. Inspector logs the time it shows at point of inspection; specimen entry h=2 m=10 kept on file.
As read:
h=2 m=4
